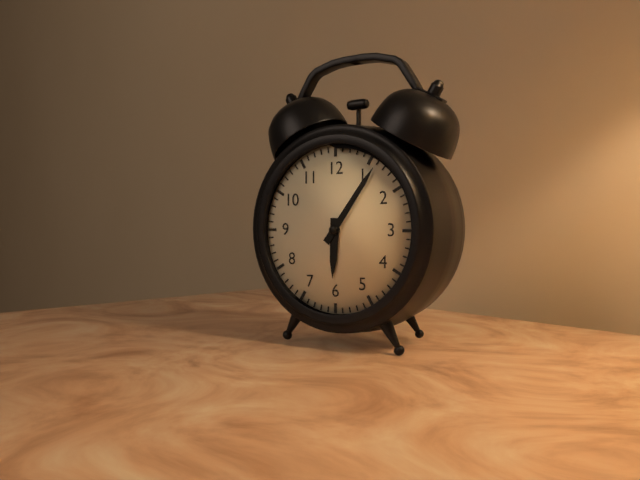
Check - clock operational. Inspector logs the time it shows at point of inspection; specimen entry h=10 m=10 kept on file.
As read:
h=6 m=6
